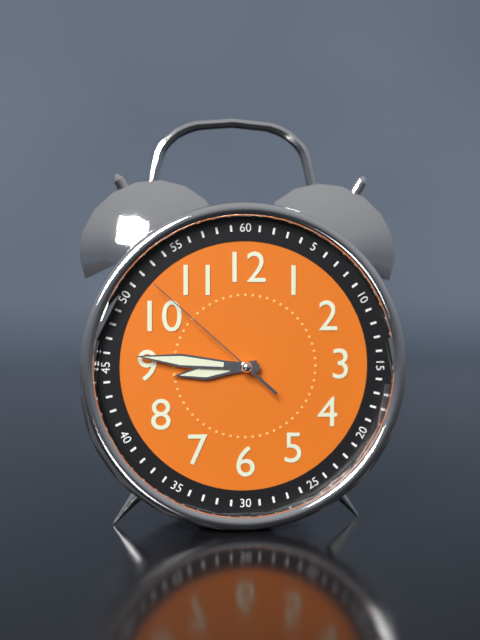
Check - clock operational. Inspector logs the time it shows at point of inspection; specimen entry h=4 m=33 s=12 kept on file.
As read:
h=8 m=46 s=52
